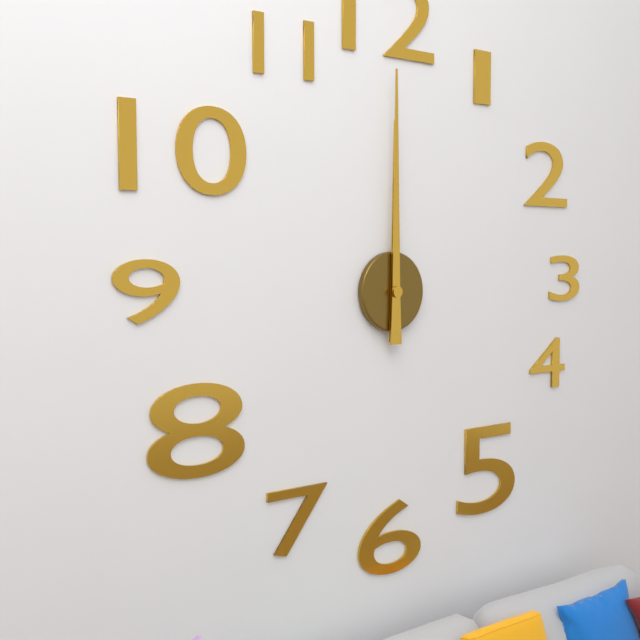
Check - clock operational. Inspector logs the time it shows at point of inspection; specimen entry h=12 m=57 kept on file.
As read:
h=12 m=0
